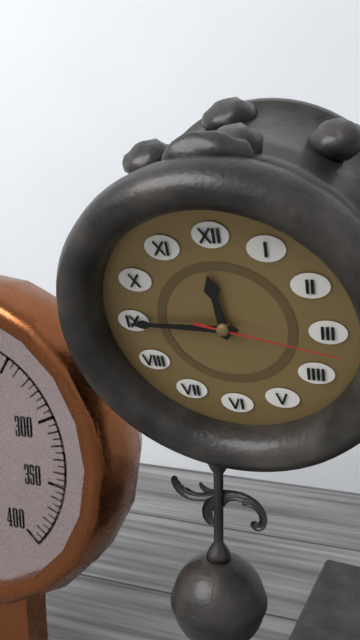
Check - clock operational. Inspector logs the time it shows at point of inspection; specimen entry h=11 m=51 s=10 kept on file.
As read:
h=11 m=45 s=17
